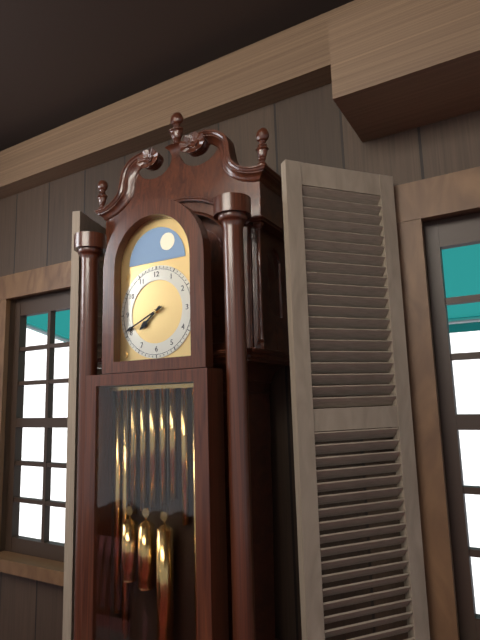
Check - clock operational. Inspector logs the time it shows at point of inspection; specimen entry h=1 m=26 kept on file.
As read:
h=7 m=41
